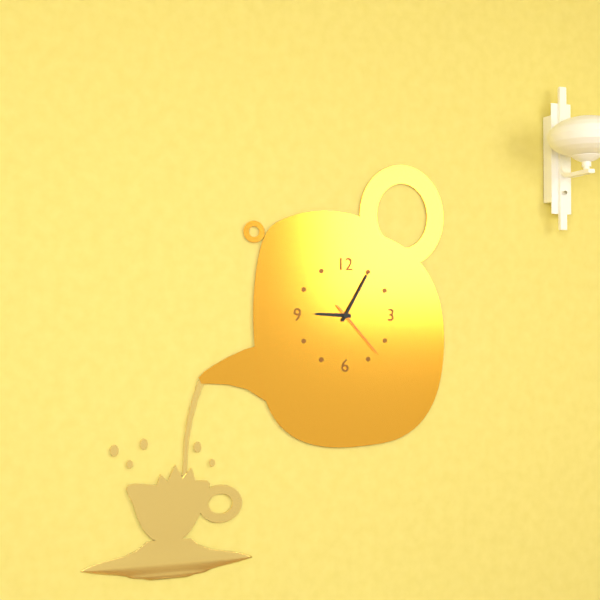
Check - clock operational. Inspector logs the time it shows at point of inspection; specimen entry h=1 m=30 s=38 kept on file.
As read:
h=9 m=5 s=23
